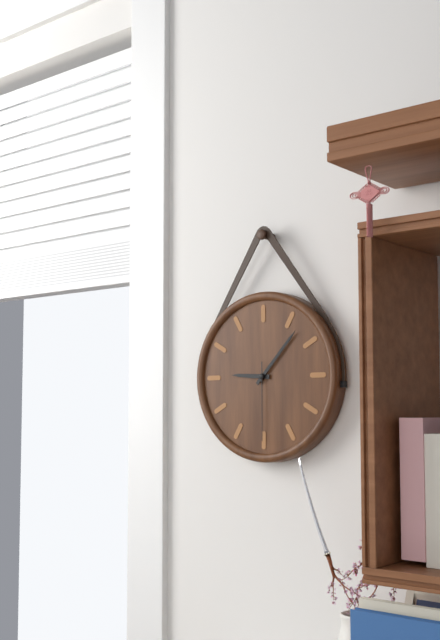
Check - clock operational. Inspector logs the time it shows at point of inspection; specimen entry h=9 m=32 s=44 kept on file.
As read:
h=9 m=7 s=30
